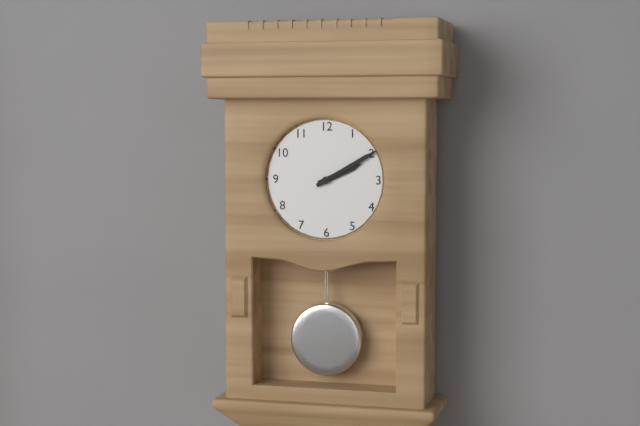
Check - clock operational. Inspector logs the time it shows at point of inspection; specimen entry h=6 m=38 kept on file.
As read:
h=2 m=10
